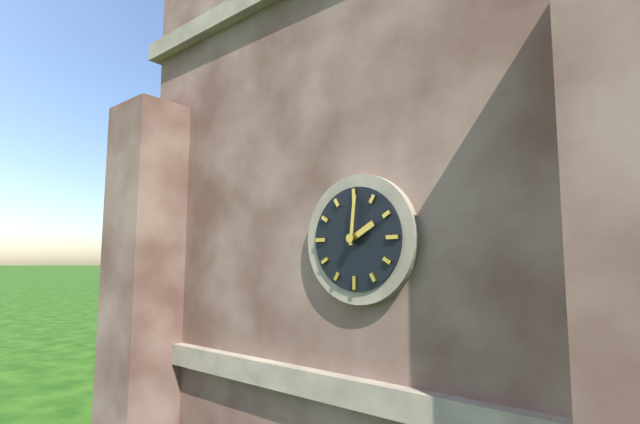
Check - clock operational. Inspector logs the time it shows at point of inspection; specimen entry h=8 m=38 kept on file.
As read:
h=2 m=1
